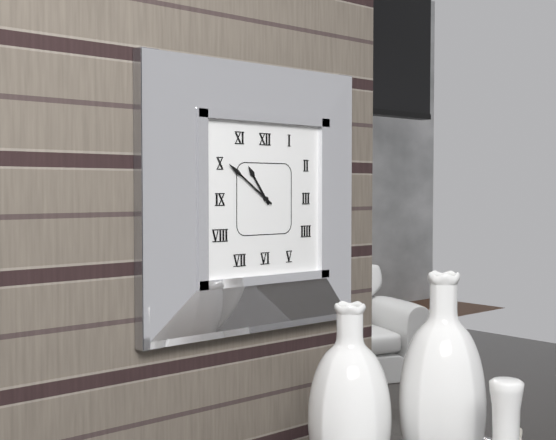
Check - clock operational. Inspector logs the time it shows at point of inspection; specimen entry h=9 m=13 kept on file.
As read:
h=10 m=51
